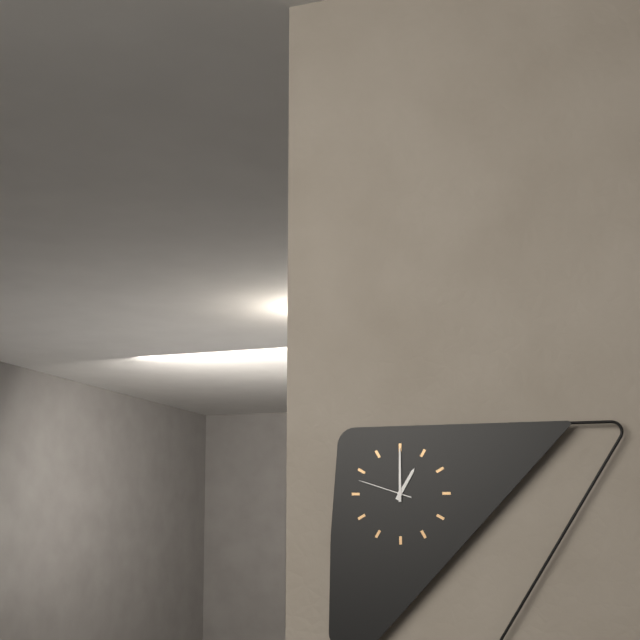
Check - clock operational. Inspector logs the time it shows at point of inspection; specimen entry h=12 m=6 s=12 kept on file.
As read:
h=1 m=0 s=48
